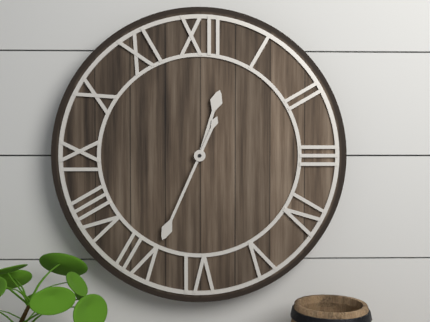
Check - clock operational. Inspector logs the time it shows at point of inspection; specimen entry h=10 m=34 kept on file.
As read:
h=12 m=34
